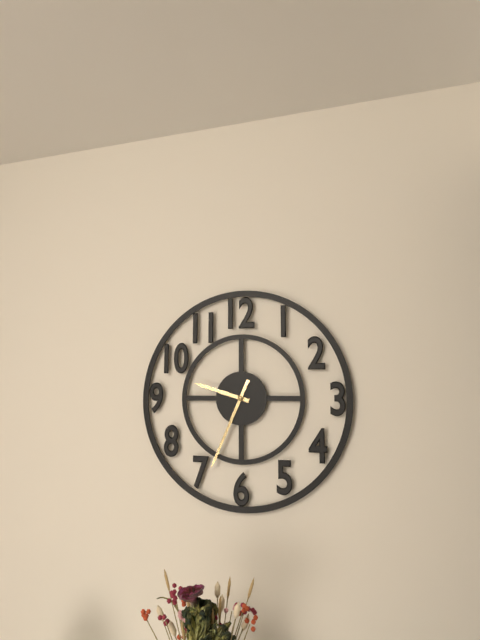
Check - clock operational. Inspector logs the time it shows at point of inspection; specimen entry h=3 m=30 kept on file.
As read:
h=9 m=34
